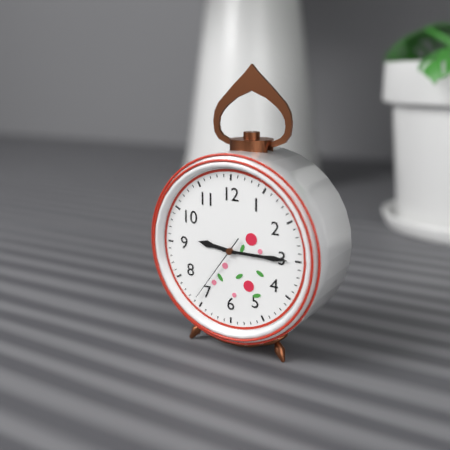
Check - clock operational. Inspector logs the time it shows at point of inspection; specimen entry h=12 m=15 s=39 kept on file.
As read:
h=9 m=15 s=36
